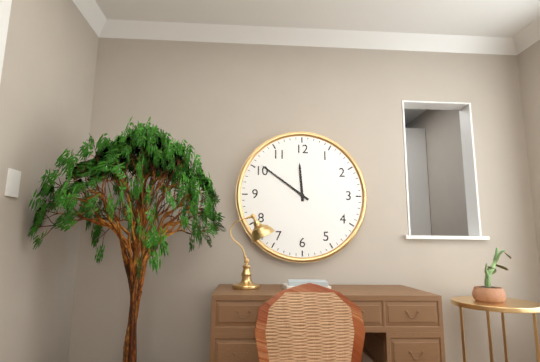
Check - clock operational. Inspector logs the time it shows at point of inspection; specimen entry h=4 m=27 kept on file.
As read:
h=11 m=51
